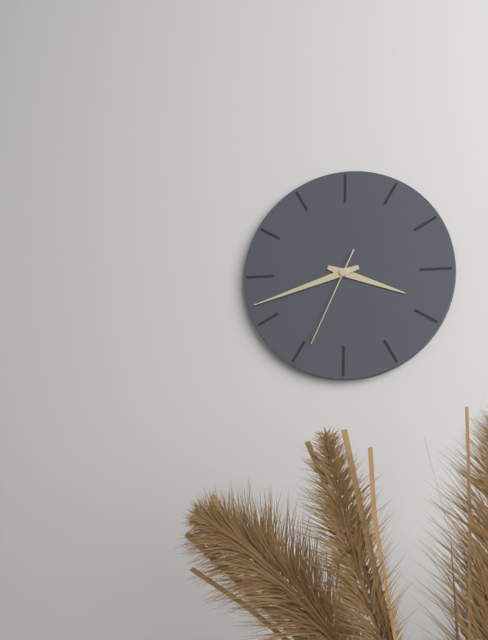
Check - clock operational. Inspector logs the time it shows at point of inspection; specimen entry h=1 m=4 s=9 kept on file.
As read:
h=3 m=42 s=34
